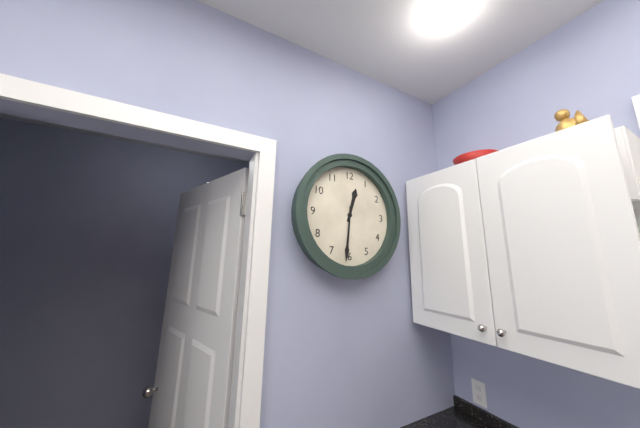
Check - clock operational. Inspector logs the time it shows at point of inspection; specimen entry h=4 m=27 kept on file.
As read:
h=12 m=31
